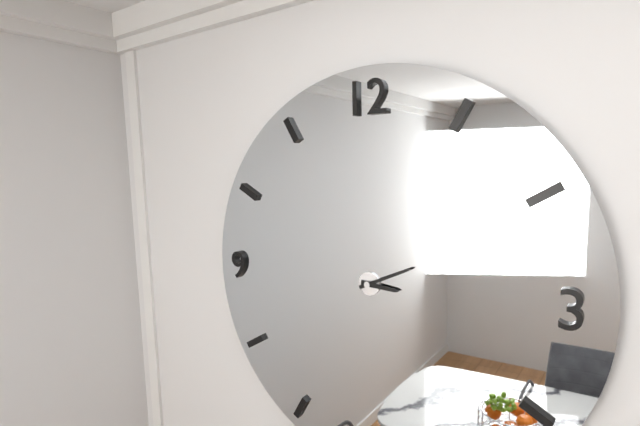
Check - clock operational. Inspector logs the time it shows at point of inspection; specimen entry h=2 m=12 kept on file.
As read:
h=3 m=11
